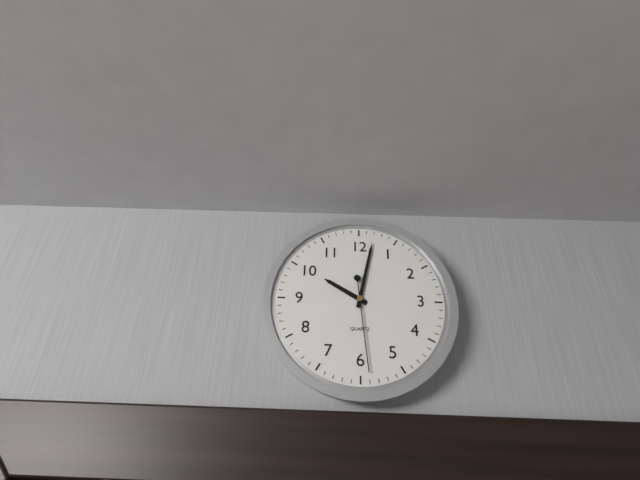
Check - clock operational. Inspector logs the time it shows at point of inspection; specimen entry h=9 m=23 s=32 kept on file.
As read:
h=10 m=2 s=29
